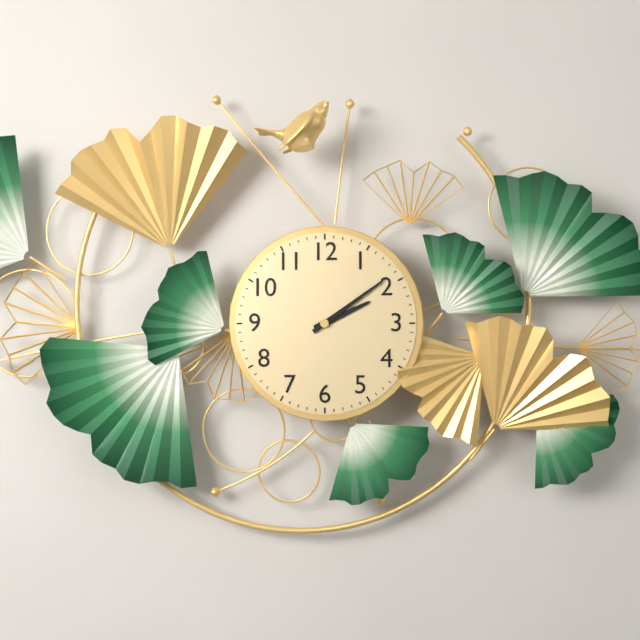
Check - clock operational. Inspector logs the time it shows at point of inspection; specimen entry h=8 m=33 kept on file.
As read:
h=2 m=9
